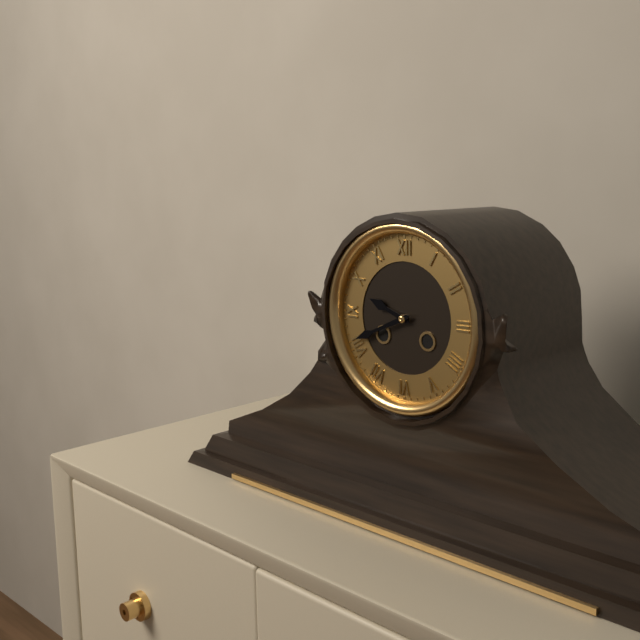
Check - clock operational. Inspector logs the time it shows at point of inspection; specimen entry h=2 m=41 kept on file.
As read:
h=9 m=41
